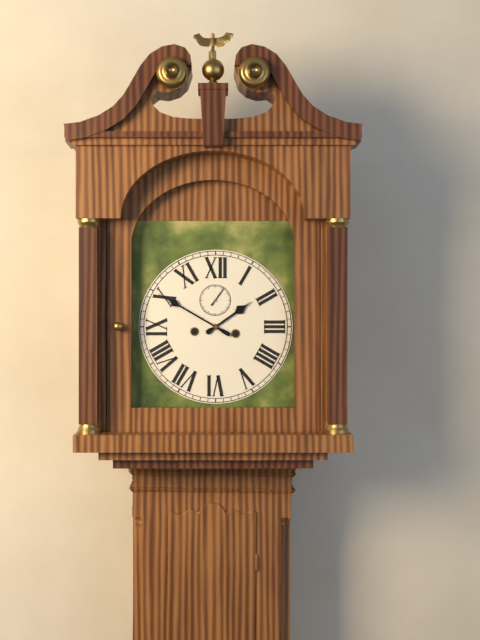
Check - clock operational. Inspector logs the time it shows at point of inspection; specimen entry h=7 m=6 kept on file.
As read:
h=1 m=50
